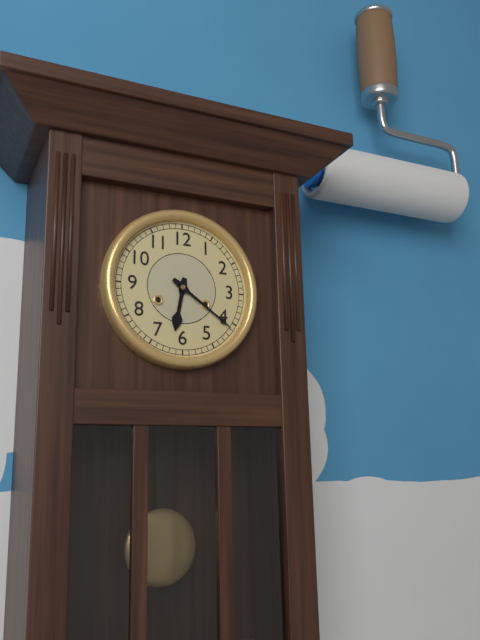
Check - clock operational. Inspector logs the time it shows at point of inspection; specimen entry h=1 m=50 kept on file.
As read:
h=6 m=21
